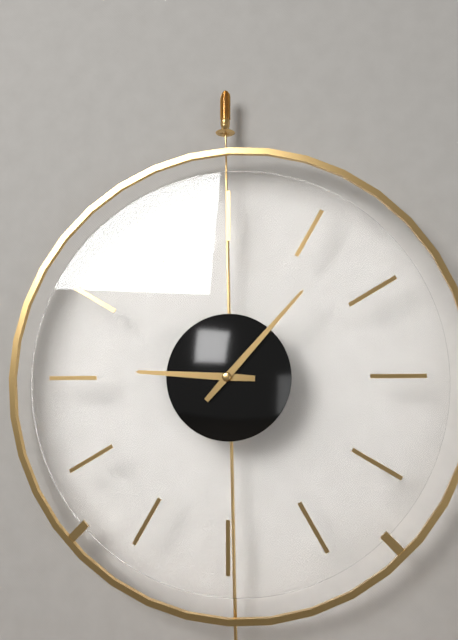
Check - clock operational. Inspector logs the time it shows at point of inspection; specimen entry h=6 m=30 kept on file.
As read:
h=9 m=7
